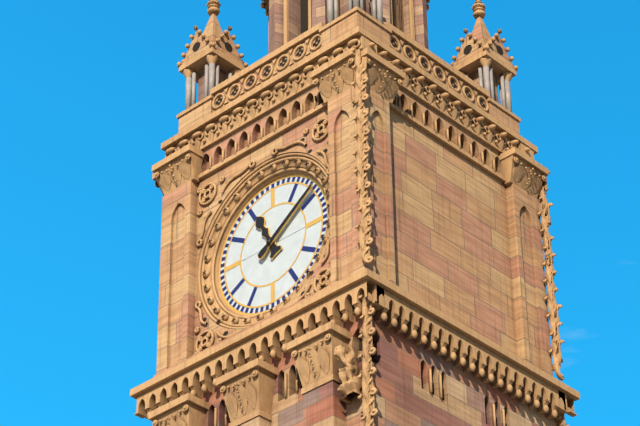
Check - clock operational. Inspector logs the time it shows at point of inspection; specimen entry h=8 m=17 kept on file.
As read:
h=11 m=9
